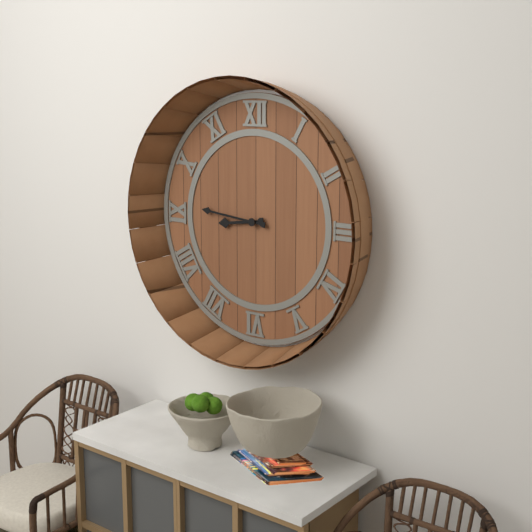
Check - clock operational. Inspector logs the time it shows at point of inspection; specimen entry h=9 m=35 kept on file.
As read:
h=8 m=46
